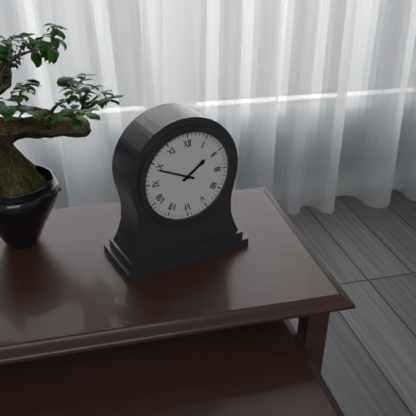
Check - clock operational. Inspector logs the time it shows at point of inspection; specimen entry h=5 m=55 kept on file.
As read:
h=1 m=49
